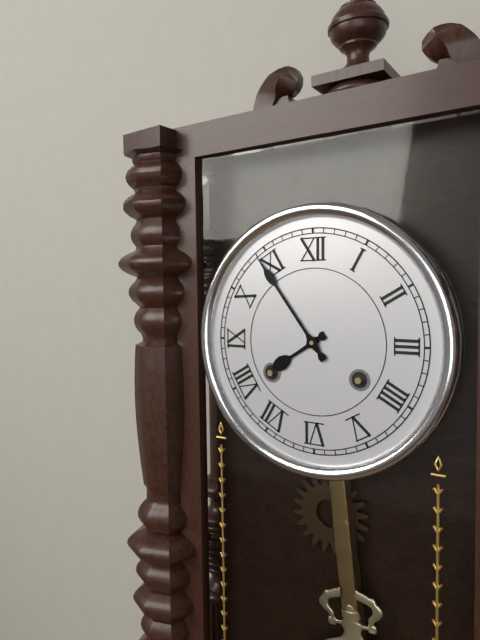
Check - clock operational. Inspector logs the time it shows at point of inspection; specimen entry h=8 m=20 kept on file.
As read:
h=7 m=54
